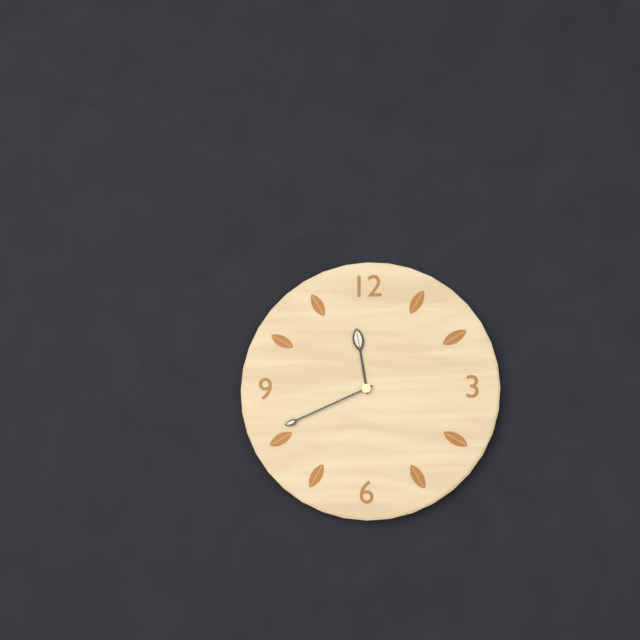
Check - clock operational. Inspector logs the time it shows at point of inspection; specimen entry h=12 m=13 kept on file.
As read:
h=11 m=41
